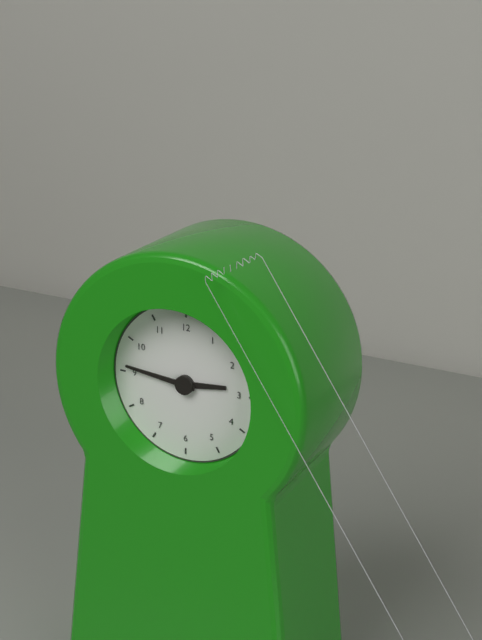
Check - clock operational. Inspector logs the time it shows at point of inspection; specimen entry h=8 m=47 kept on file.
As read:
h=2 m=46
